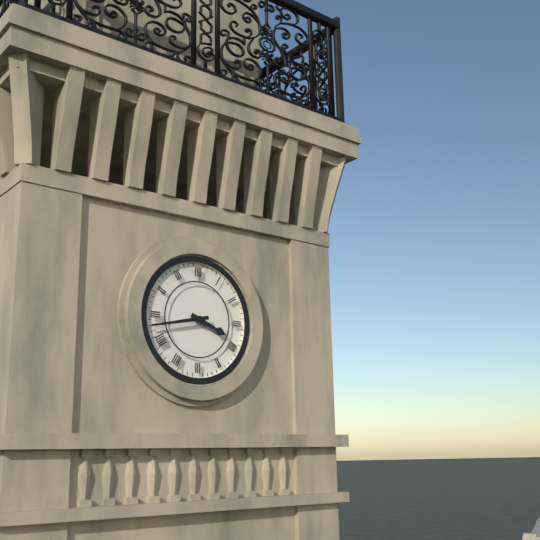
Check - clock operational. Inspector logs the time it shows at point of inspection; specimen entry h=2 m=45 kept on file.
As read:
h=3 m=43
